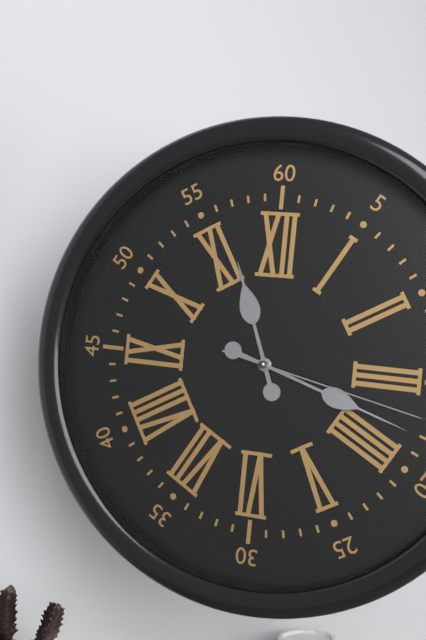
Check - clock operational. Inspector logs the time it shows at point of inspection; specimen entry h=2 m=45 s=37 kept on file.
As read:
h=11 m=18 s=17
